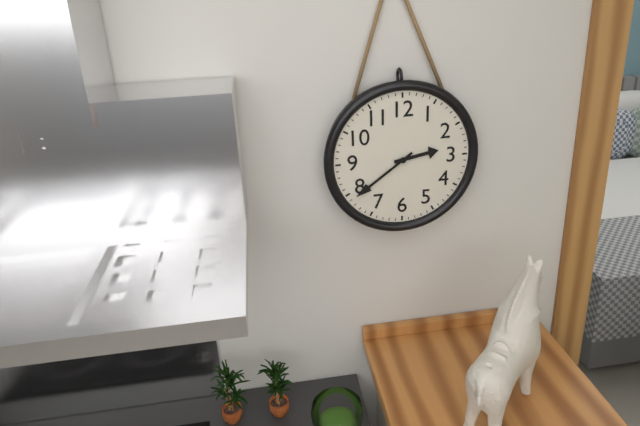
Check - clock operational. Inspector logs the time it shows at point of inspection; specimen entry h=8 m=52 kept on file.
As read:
h=2 m=39
